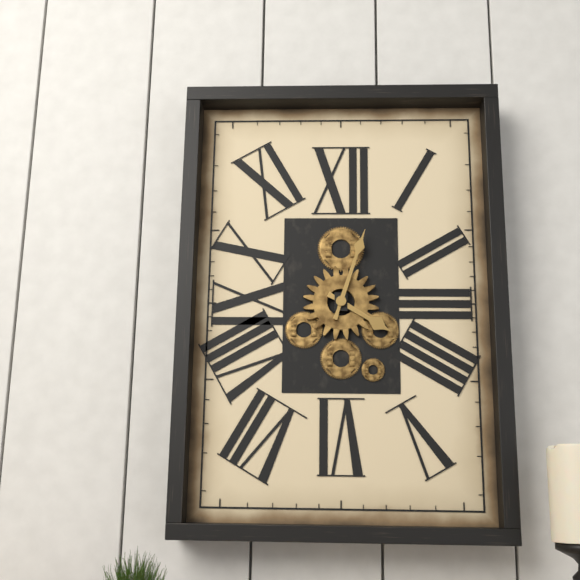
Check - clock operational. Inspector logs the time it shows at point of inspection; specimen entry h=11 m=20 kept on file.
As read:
h=4 m=3
